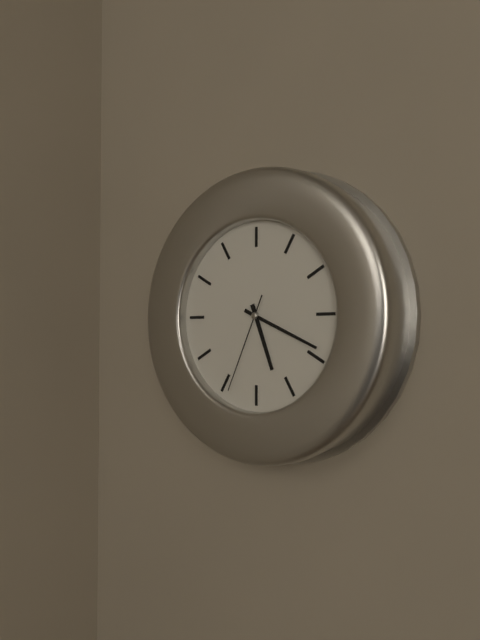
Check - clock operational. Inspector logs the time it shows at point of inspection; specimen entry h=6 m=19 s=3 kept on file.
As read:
h=5 m=19 s=34
